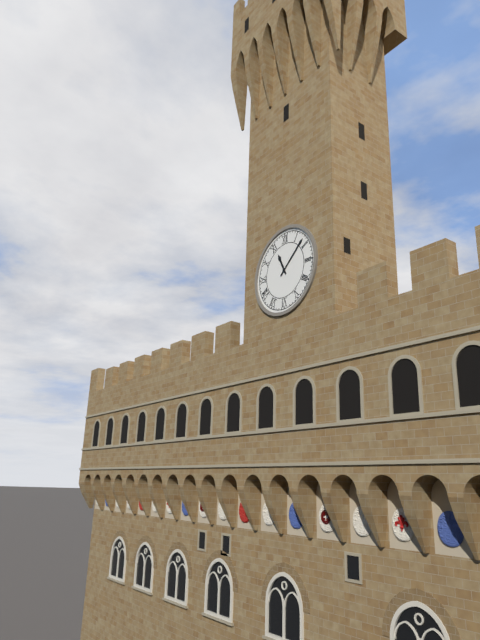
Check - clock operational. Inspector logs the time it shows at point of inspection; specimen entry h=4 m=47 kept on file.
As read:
h=11 m=8
